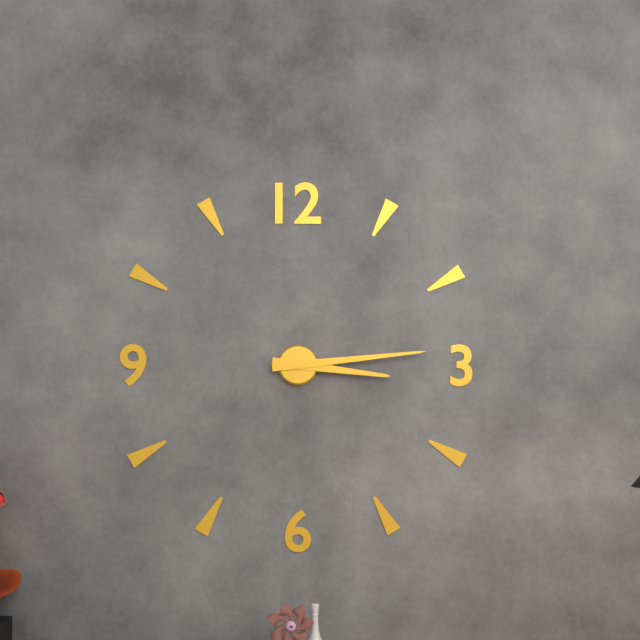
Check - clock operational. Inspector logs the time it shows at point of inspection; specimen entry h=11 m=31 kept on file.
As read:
h=3 m=14
